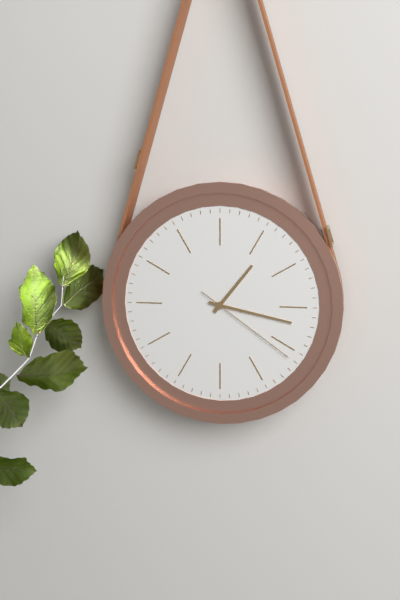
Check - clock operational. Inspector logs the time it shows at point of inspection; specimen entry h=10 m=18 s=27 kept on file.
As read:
h=1 m=17 s=21
